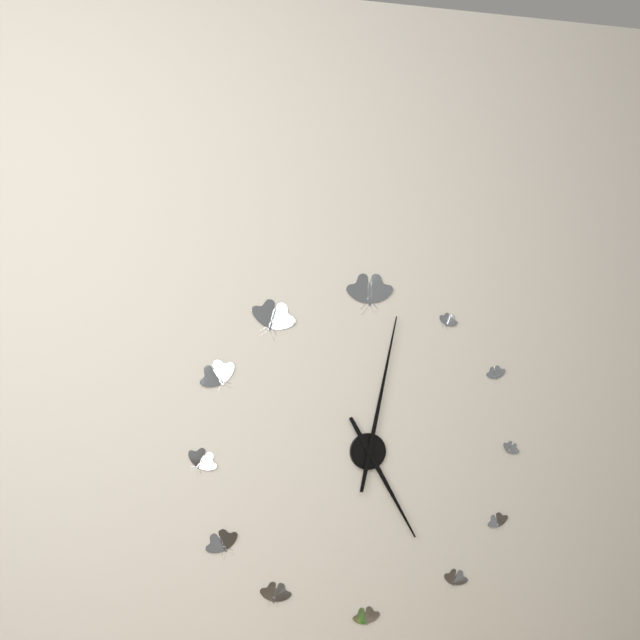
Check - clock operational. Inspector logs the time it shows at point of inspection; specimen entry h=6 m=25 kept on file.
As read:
h=5 m=2
